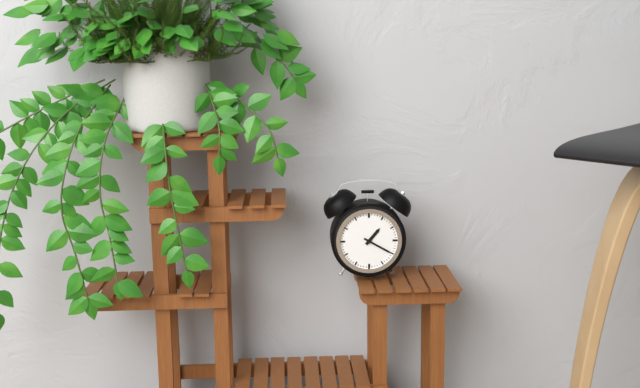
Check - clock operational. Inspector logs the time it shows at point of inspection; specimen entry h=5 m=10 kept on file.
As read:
h=1 m=20
